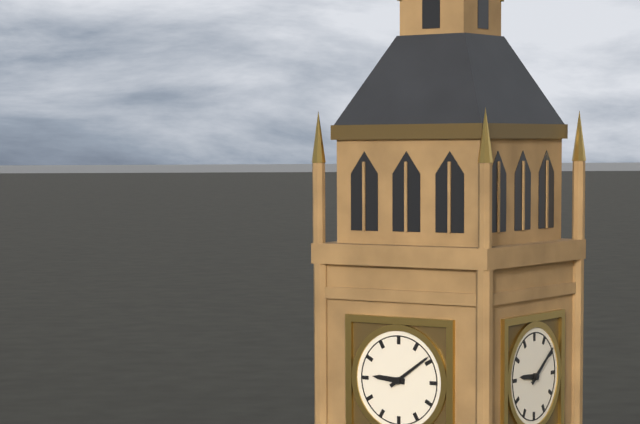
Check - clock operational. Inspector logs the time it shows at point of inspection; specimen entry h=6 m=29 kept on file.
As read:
h=9 m=9
